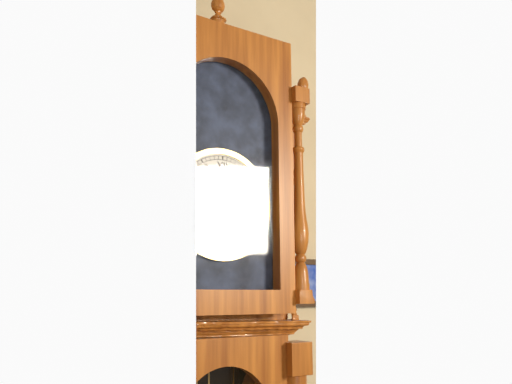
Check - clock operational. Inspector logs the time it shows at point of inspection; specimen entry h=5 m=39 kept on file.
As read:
h=6 m=18
